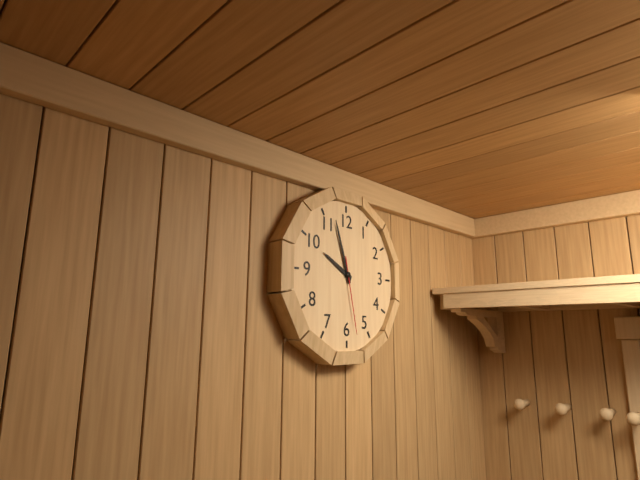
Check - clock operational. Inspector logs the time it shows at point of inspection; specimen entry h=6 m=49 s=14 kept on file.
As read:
h=9 m=57 s=28
